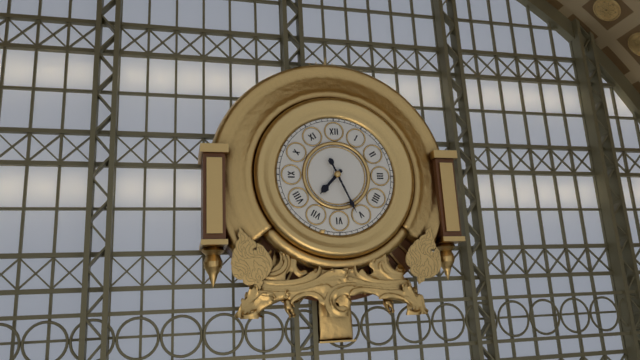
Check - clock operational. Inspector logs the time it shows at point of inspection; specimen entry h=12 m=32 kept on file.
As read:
h=7 m=26
